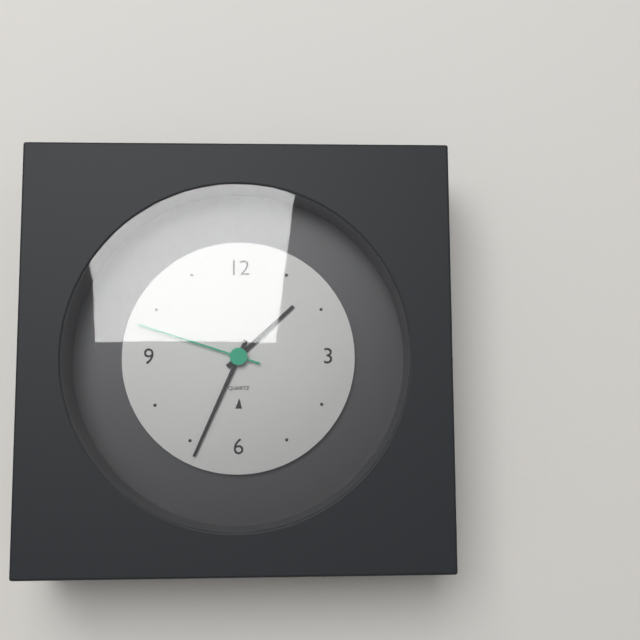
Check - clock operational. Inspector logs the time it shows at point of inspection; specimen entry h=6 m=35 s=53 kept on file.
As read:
h=1 m=34 s=48
